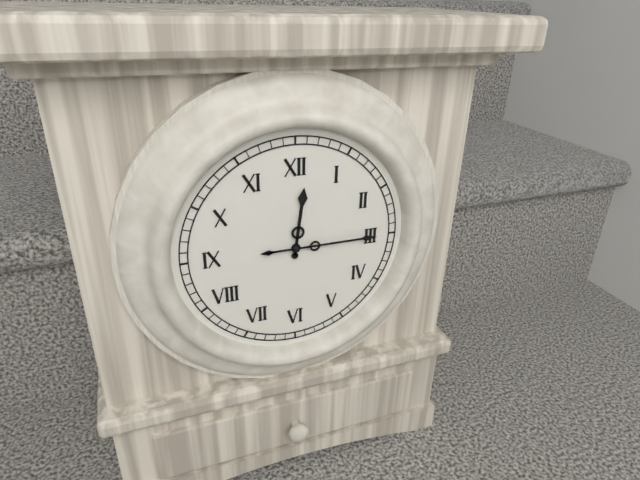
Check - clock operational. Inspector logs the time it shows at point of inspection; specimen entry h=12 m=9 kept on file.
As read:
h=12 m=15
